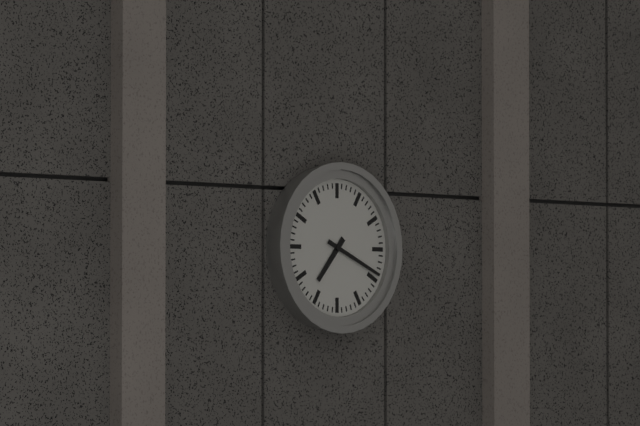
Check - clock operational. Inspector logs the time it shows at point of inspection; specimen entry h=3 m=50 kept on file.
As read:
h=7 m=19
